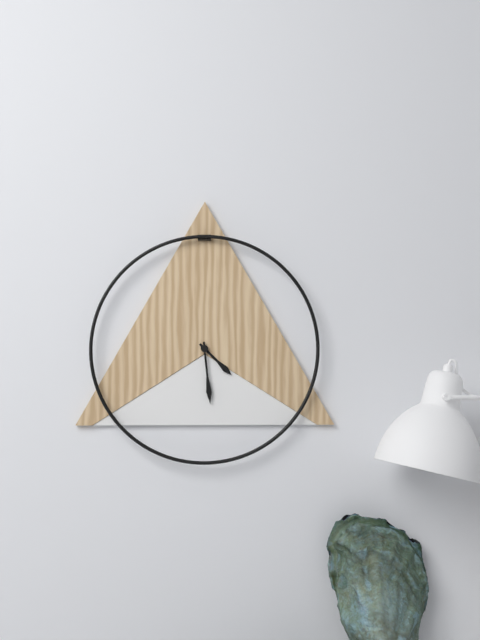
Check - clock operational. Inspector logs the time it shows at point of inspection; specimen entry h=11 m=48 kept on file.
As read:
h=4 m=29
